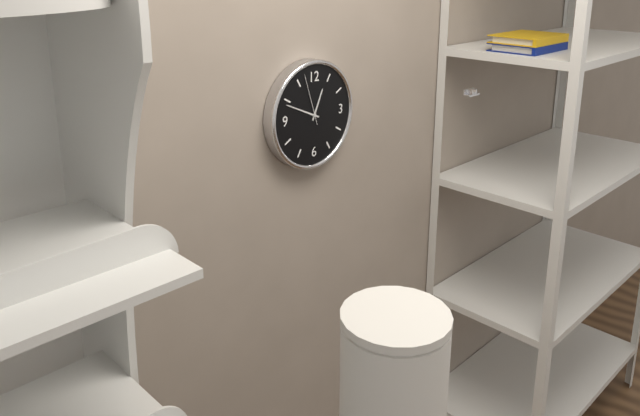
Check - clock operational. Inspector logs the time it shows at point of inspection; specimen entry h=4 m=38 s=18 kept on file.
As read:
h=12 m=49 s=57
